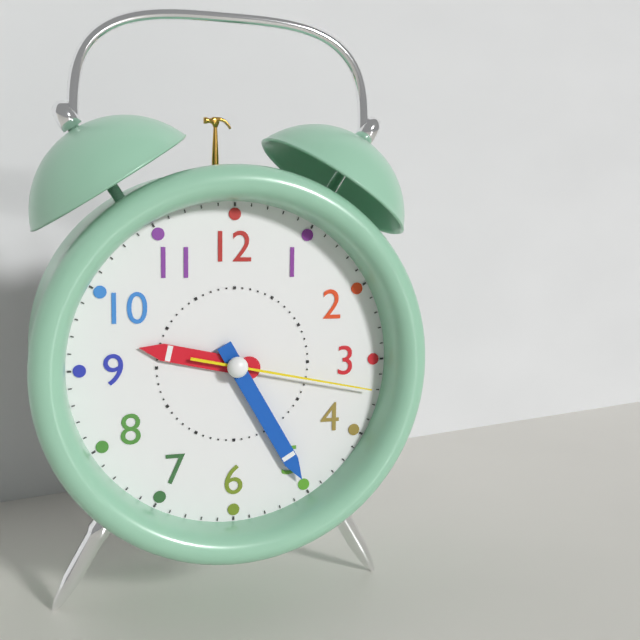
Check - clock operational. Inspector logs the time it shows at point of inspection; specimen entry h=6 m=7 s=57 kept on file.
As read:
h=9 m=25 s=17
